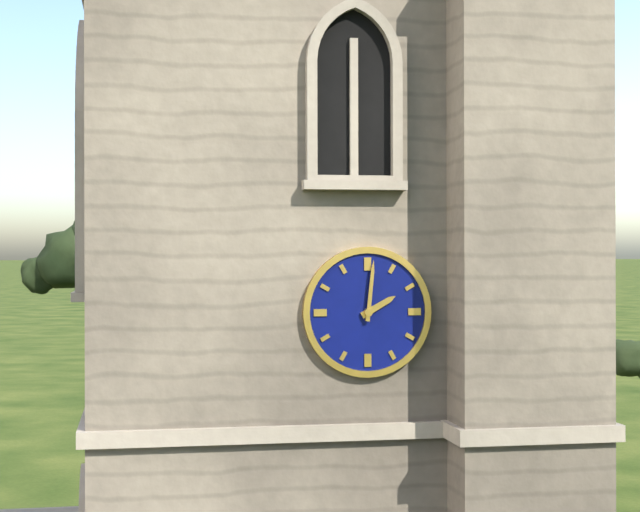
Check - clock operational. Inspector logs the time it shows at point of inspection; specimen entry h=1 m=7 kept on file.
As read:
h=2 m=1
